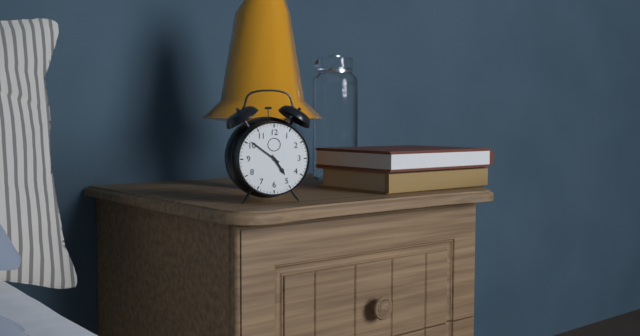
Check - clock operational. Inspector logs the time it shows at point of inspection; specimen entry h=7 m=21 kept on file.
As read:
h=4 m=51
